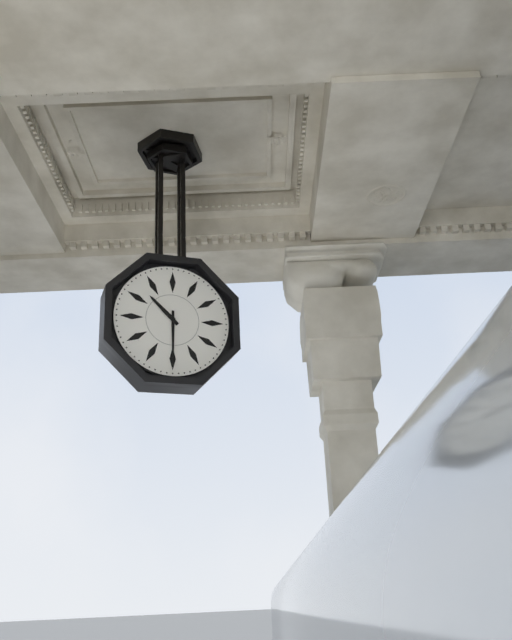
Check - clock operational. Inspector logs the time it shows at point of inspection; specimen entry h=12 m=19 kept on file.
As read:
h=10 m=30
